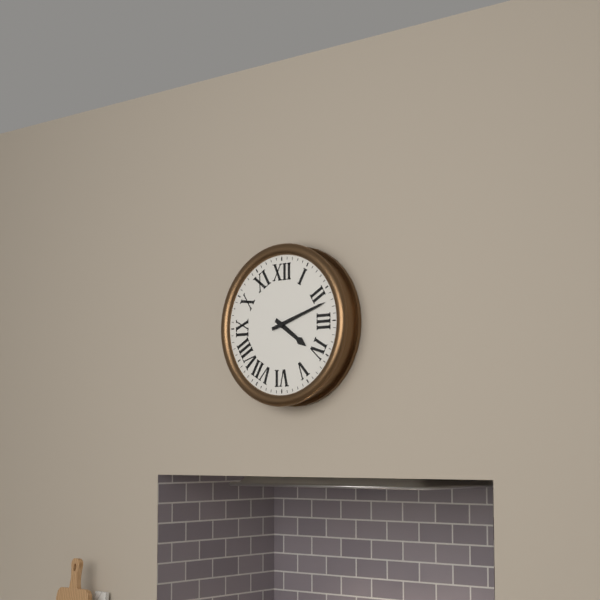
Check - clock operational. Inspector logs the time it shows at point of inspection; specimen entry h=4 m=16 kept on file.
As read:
h=4 m=12
